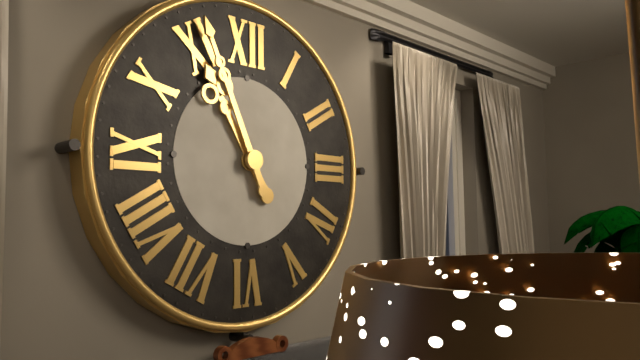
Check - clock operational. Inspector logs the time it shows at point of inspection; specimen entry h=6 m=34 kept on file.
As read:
h=10 m=56
